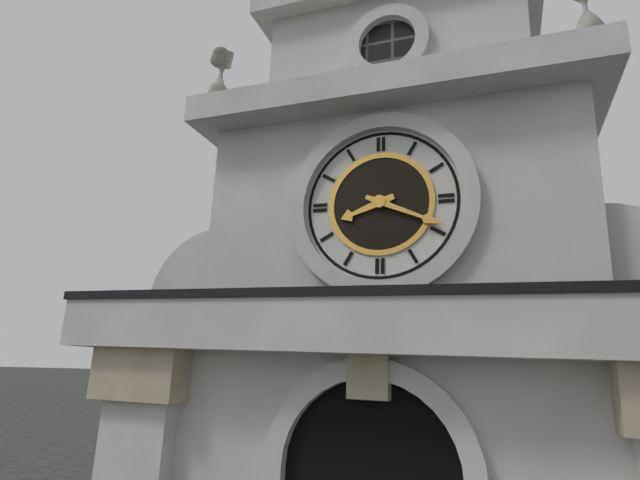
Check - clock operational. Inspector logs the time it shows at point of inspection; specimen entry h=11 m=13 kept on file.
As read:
h=8 m=19
